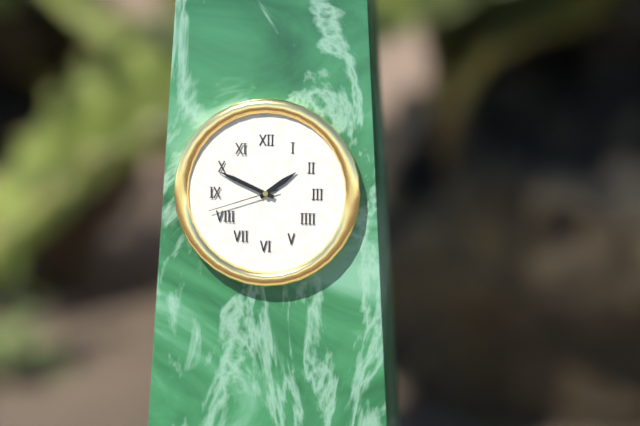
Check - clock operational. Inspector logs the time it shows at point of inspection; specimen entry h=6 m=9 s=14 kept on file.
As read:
h=1 m=49 s=42
